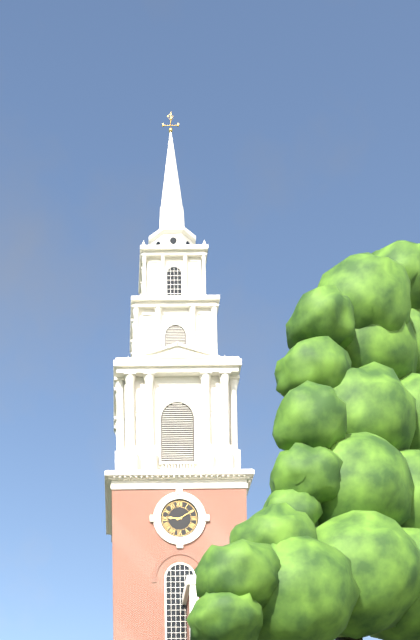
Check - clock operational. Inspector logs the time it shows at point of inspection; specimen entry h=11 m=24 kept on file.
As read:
h=9 m=10
